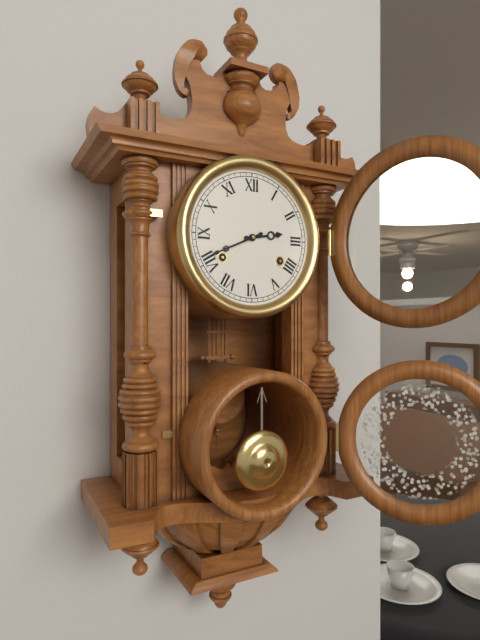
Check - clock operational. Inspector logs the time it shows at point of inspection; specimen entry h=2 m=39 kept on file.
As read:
h=2 m=41
